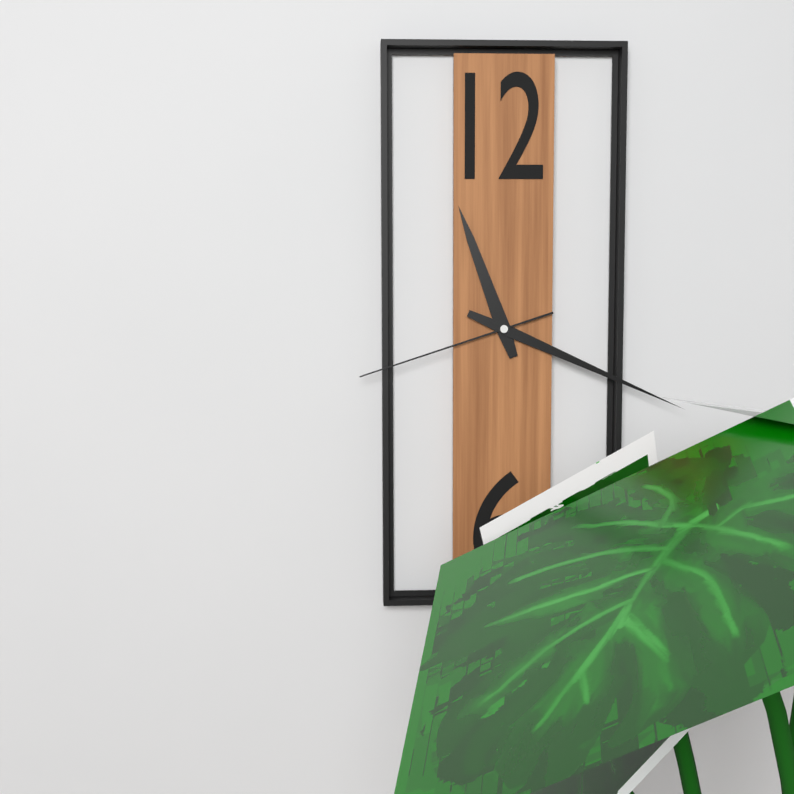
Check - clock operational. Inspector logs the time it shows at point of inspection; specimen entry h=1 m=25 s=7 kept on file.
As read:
h=11 m=19 s=42
